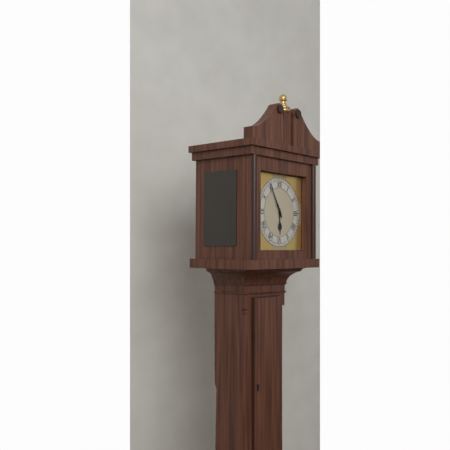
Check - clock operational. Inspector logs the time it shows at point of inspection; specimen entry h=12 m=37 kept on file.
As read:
h=5 m=55
